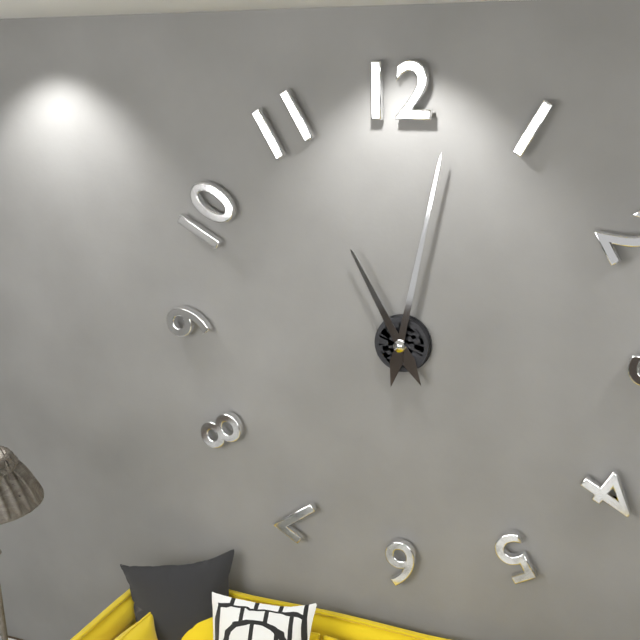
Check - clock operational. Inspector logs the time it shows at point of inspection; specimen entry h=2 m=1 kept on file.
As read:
h=11 m=2
